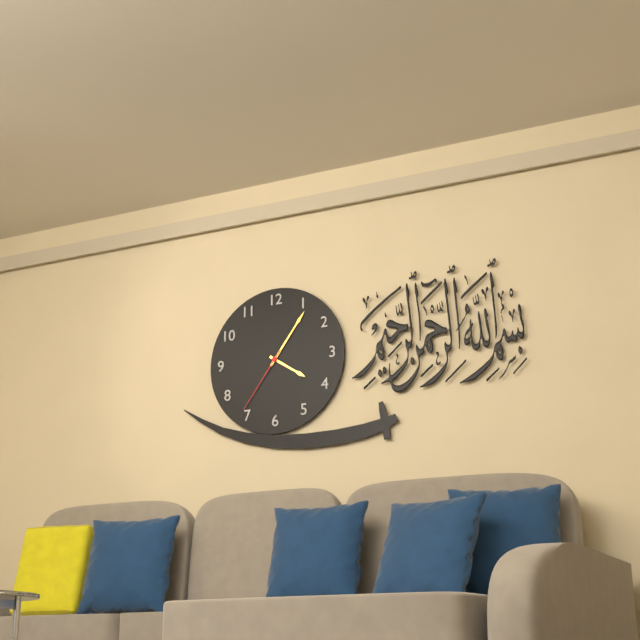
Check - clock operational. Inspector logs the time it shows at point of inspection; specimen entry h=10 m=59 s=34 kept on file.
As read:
h=4 m=6 s=36
